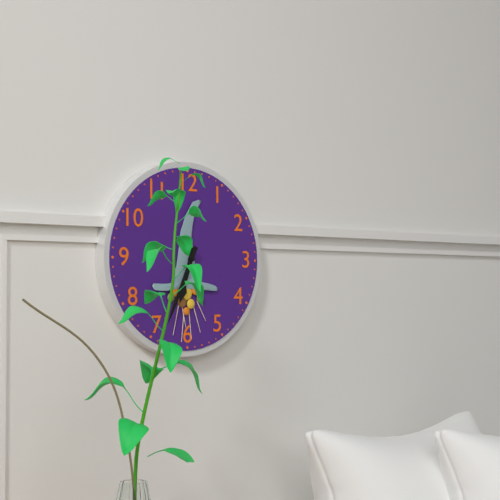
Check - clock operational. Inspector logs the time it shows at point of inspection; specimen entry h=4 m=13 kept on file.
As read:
h=6 m=34
